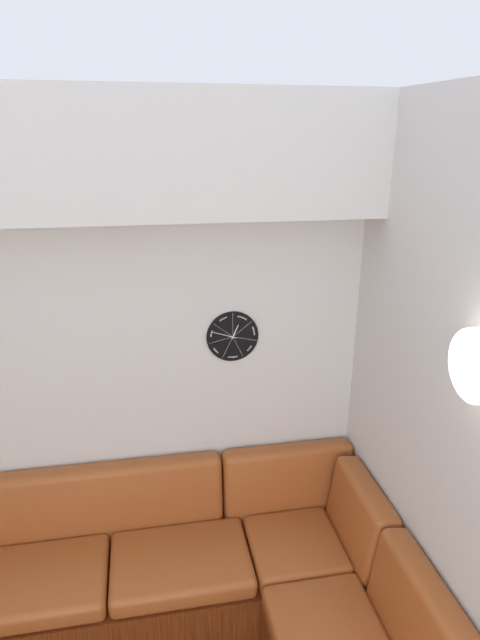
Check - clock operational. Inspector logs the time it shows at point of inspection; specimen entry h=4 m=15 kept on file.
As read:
h=12 m=48
